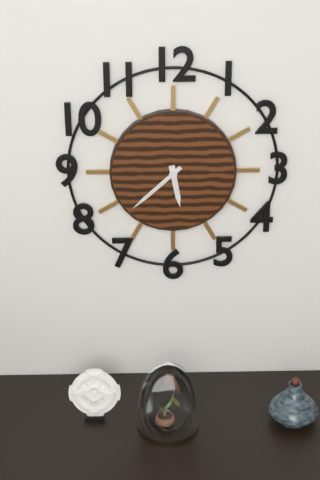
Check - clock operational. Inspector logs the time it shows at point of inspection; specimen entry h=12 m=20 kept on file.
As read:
h=5 m=38
